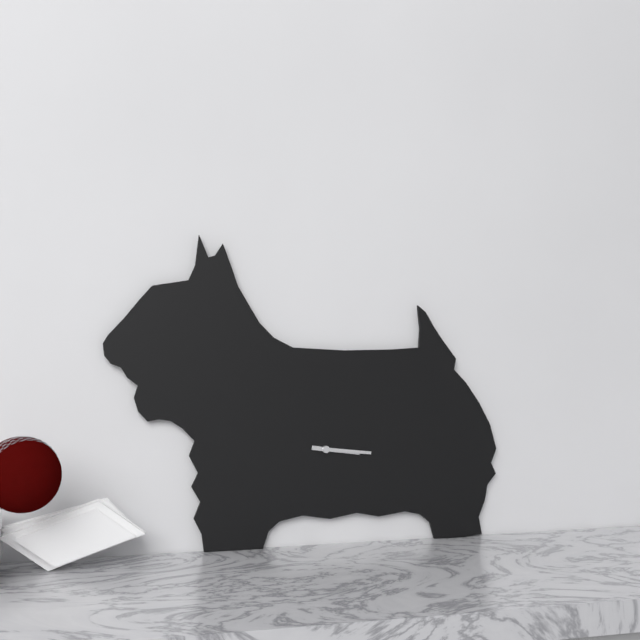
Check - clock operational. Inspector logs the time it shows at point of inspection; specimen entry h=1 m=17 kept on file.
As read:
h=3 m=16
